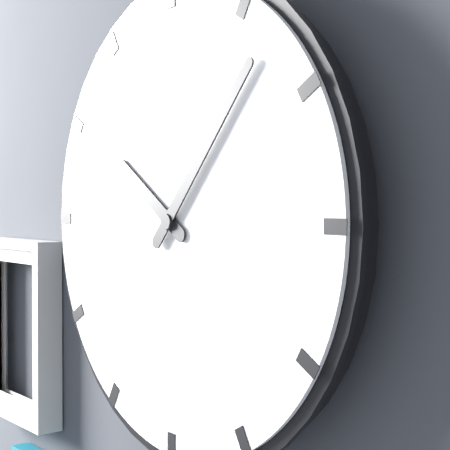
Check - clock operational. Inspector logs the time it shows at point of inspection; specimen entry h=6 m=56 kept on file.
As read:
h=10 m=7
